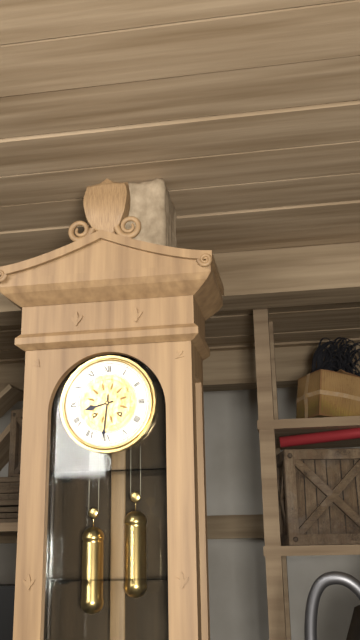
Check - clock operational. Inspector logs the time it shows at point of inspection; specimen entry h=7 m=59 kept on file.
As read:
h=8 m=31
